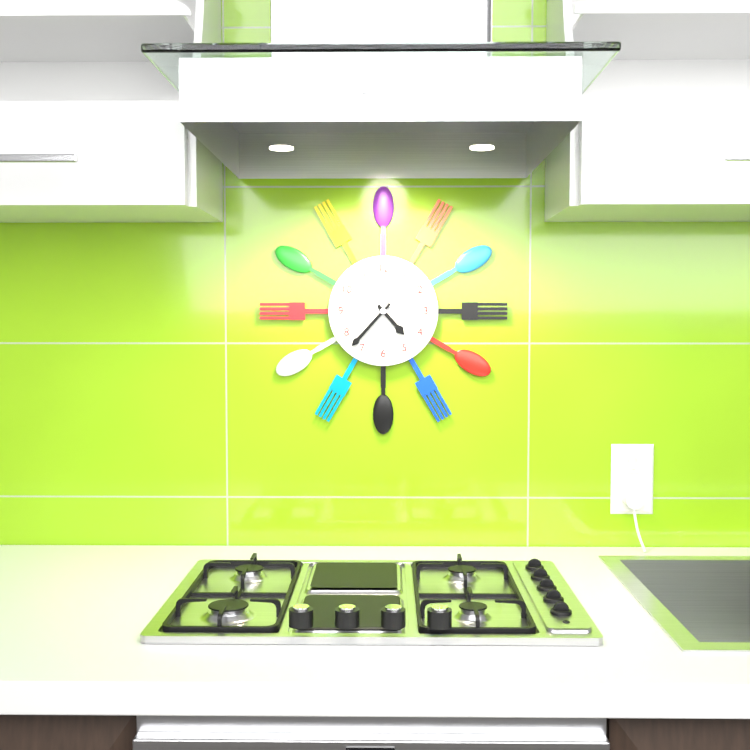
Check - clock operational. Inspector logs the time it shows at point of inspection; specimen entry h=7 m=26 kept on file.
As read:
h=4 m=37
